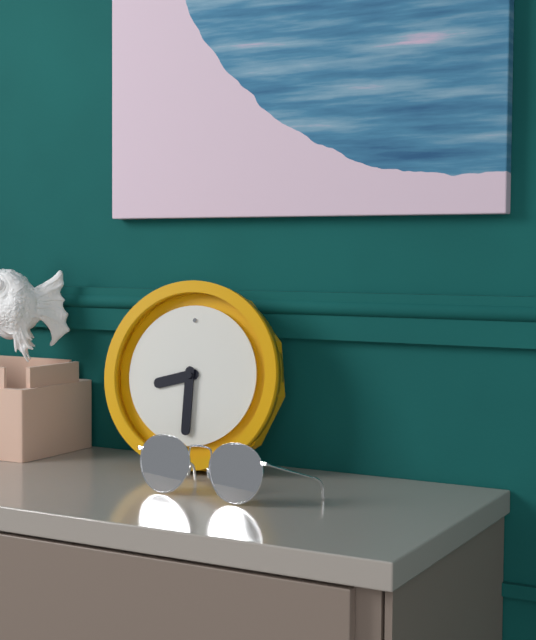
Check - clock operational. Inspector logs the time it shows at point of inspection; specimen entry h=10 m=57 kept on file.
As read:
h=8 m=30
